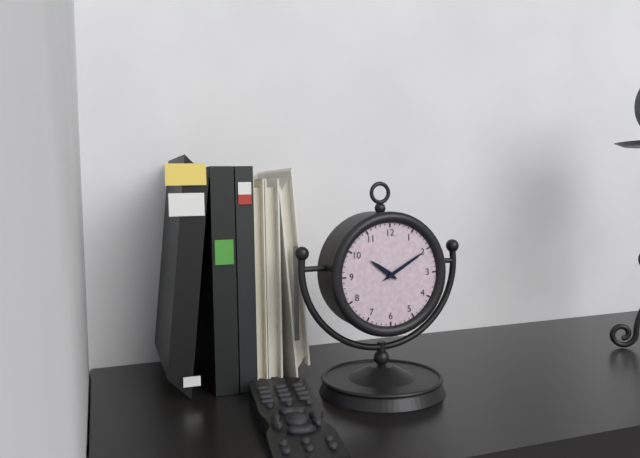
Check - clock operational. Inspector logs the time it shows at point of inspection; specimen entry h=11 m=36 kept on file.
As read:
h=10 m=10
